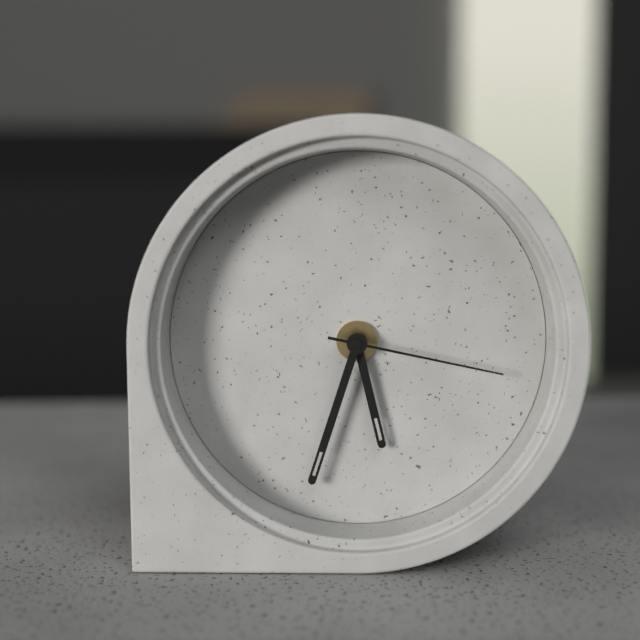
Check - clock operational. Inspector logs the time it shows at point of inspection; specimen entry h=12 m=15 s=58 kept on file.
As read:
h=5 m=33 s=17
